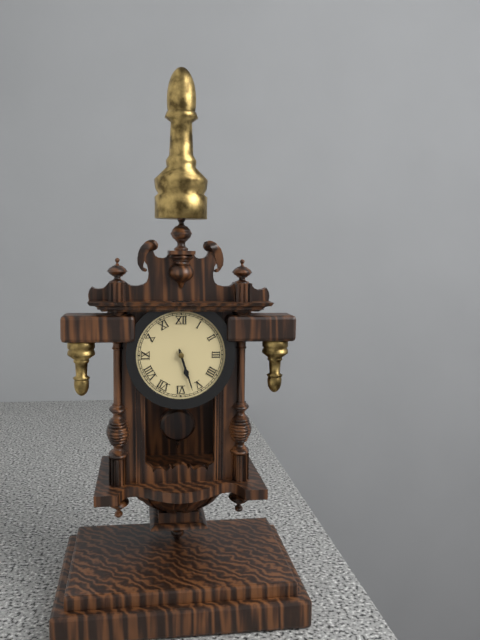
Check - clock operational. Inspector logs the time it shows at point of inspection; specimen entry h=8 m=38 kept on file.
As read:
h=5 m=27
